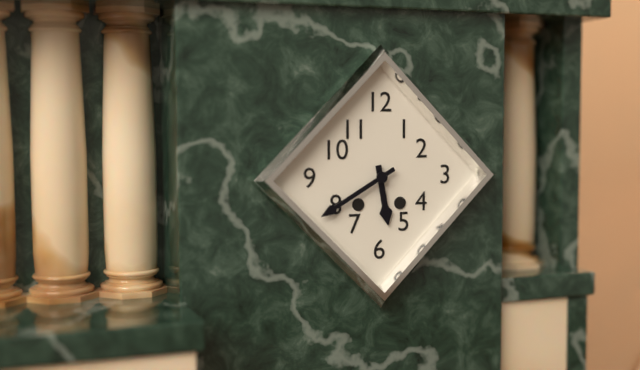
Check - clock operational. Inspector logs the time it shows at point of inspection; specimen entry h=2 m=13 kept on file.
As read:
h=5 m=40
